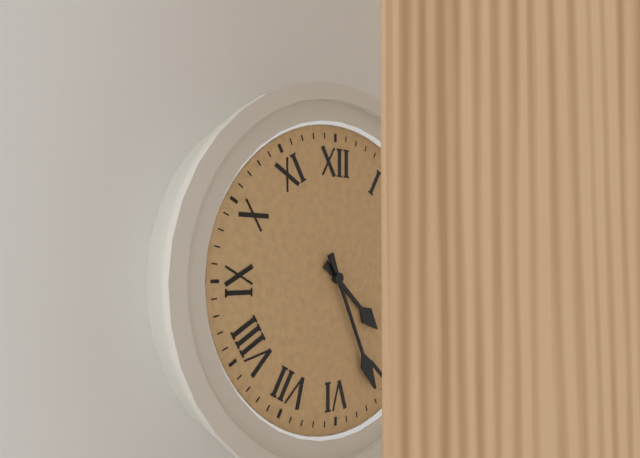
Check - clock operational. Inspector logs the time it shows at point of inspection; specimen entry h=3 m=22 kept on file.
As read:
h=4 m=26
